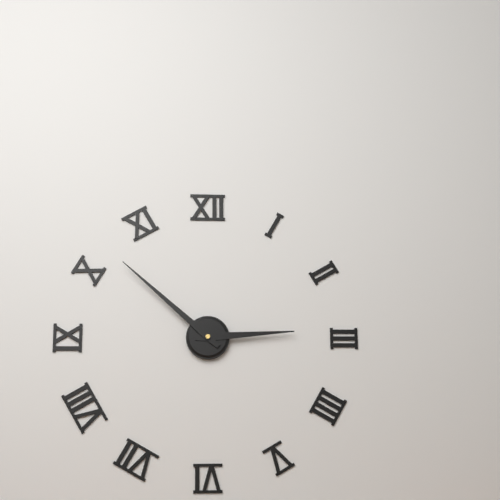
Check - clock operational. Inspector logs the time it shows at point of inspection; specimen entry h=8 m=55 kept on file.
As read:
h=2 m=52
